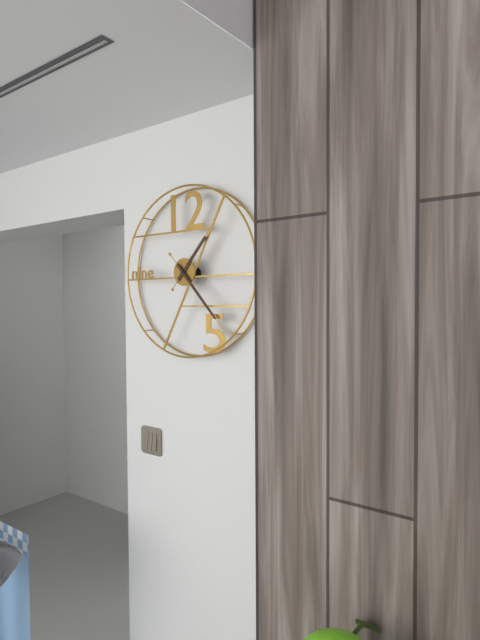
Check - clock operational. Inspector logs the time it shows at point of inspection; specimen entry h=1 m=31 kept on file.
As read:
h=1 m=23
